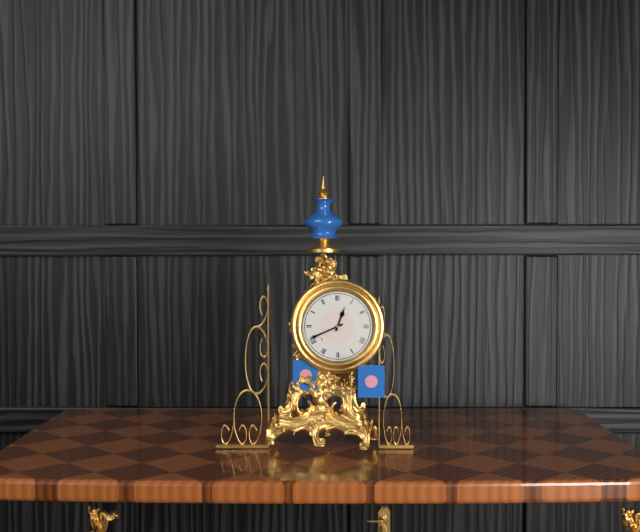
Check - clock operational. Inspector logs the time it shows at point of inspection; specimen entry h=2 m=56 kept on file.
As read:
h=12 m=41
